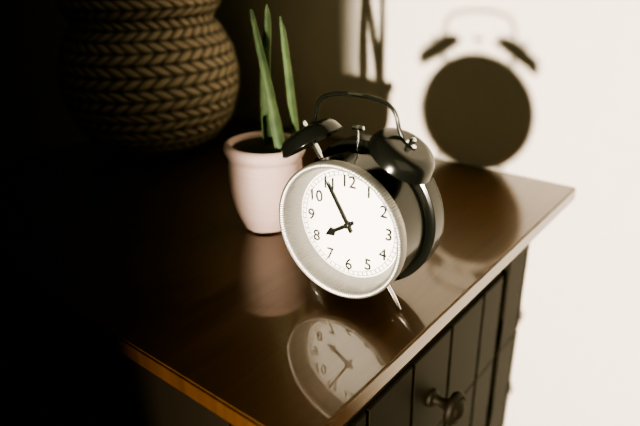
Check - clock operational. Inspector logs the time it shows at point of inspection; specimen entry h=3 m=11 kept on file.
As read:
h=7 m=55
